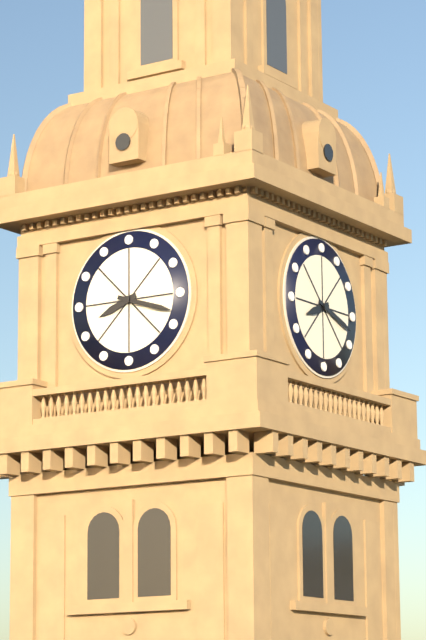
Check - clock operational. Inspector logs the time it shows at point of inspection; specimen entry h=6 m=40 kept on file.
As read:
h=8 m=18
